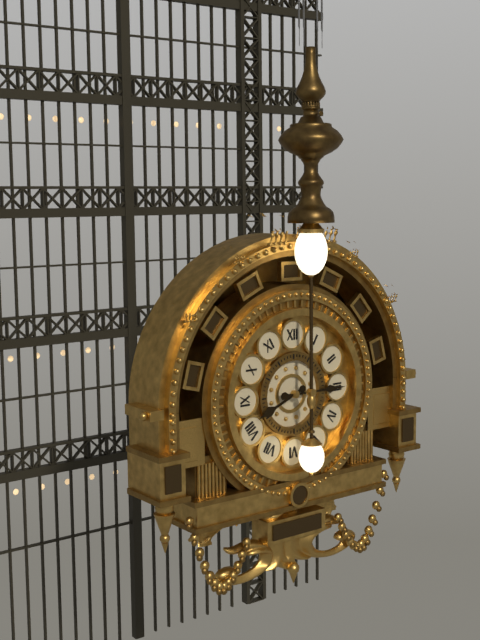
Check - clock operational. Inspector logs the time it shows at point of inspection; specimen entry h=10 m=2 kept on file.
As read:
h=8 m=15
